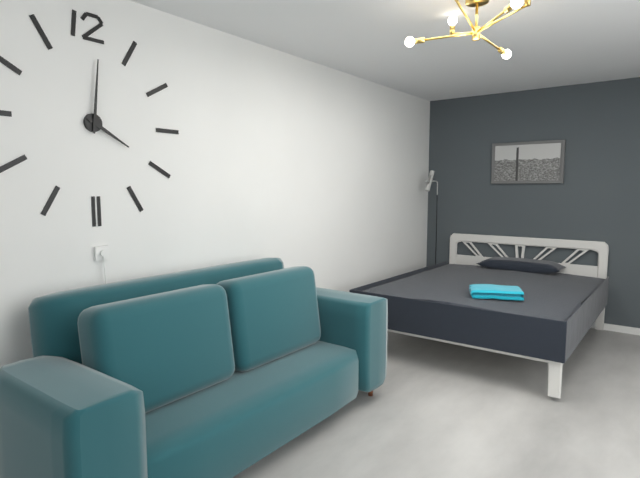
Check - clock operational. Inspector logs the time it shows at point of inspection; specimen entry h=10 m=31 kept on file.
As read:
h=4 m=1
